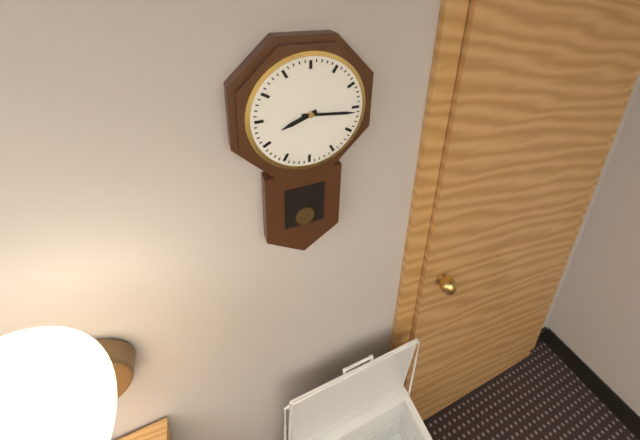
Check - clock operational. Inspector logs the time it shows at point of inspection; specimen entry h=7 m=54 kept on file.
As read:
h=8 m=16
